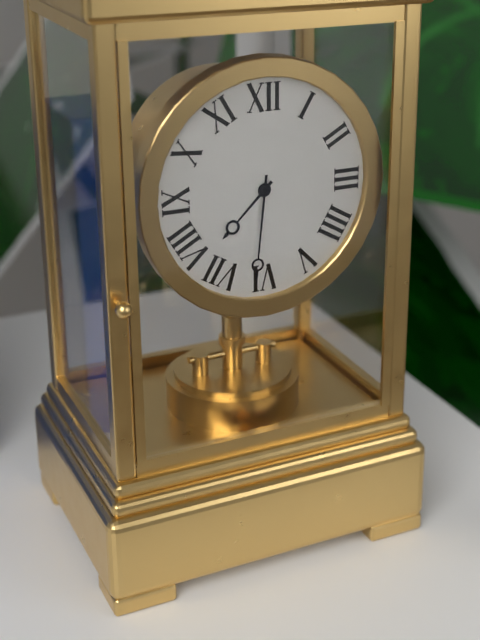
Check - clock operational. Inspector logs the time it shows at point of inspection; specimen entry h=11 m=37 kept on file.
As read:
h=7 m=31
